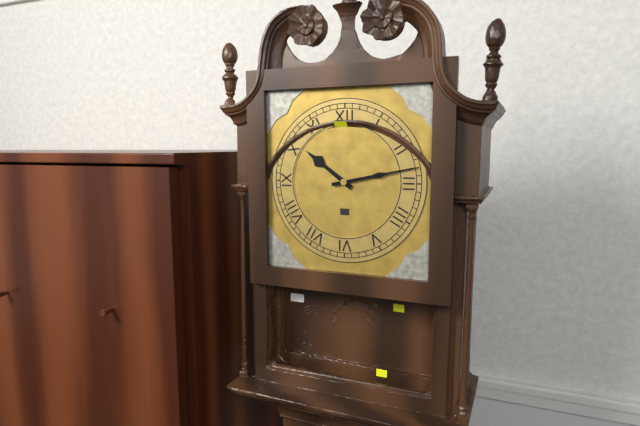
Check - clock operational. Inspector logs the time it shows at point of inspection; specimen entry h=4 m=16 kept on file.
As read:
h=10 m=13
